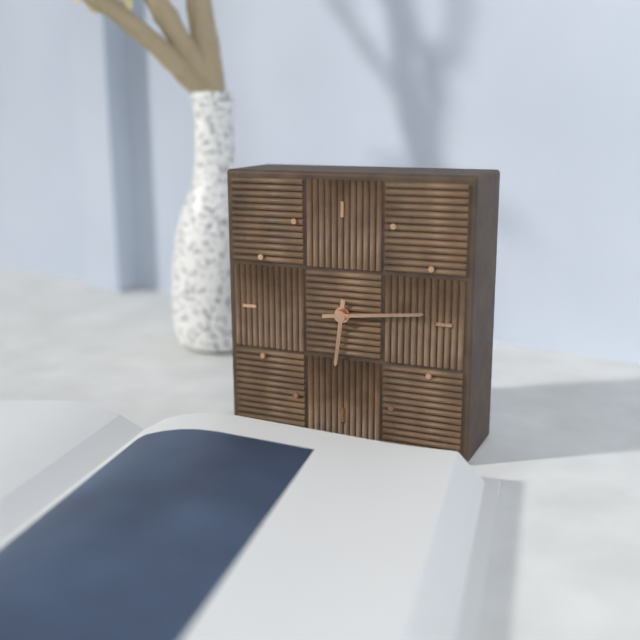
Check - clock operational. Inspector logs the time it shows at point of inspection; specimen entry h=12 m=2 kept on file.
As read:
h=6 m=14
